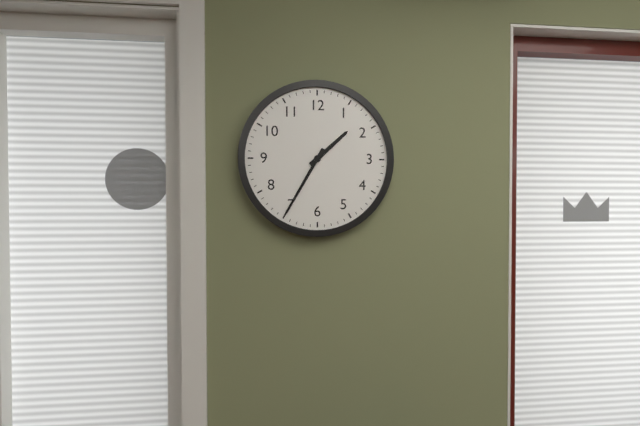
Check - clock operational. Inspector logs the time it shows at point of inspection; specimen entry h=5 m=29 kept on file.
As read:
h=1 m=35
